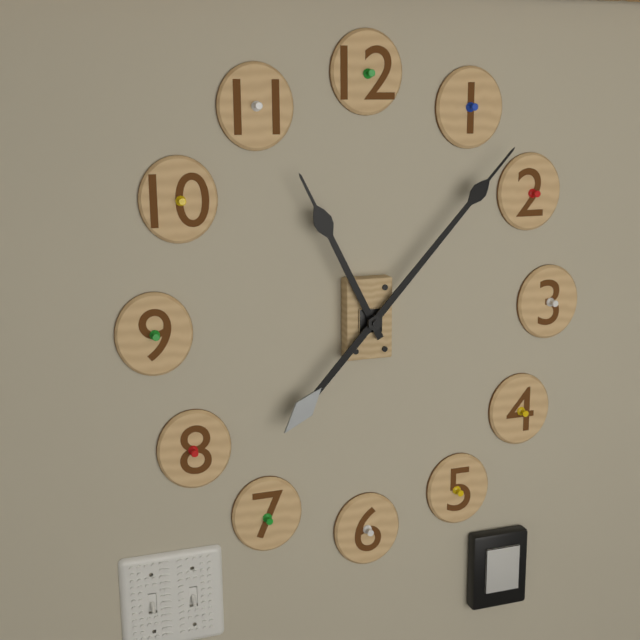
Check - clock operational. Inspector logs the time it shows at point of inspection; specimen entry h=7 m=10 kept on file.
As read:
h=11 m=7
